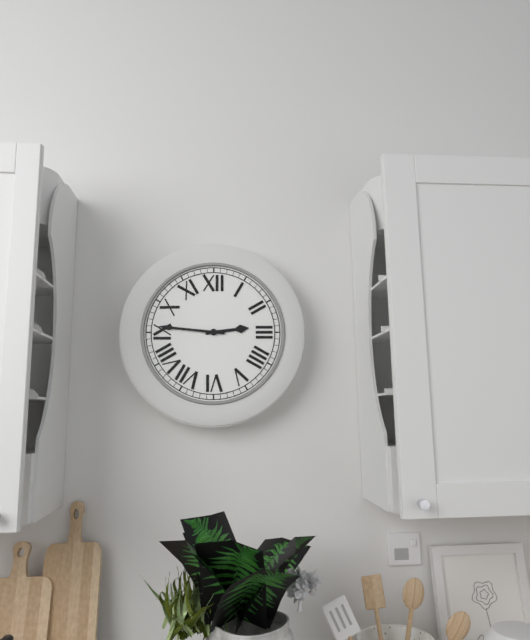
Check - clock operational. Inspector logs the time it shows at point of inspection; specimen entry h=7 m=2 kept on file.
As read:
h=2 m=46
